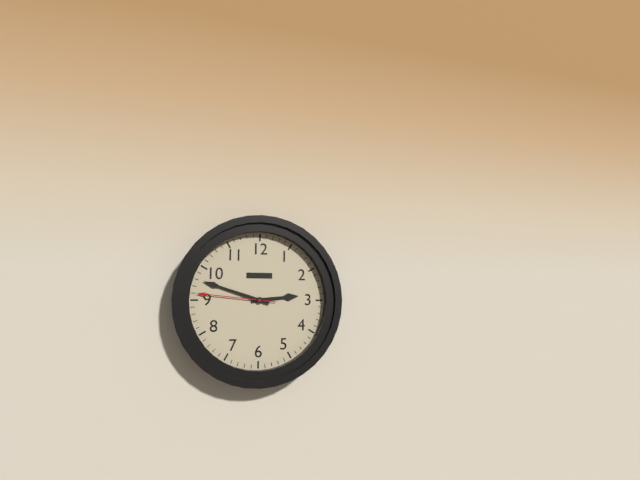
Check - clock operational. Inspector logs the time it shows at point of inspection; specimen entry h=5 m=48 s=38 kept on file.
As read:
h=2 m=48 s=46
